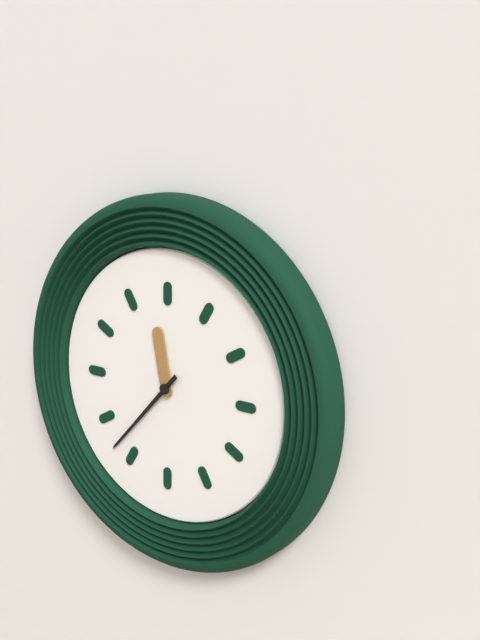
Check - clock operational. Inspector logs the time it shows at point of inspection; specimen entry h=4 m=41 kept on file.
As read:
h=11 m=37
